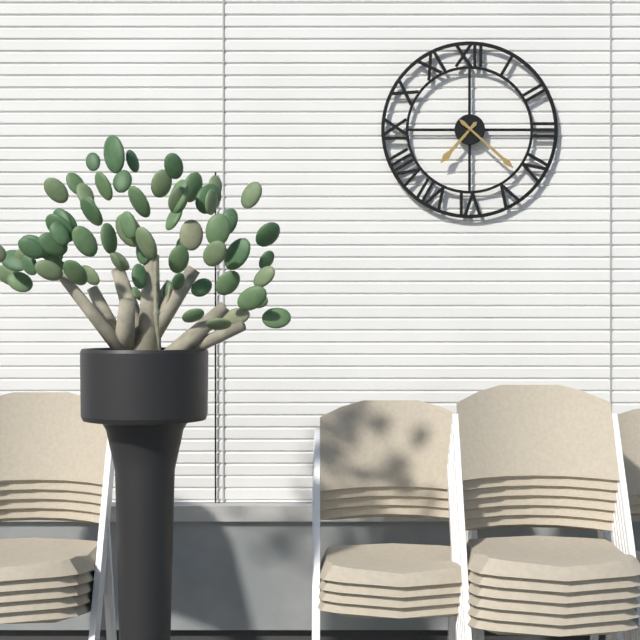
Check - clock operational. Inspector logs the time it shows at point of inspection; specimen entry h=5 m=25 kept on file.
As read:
h=7 m=22
